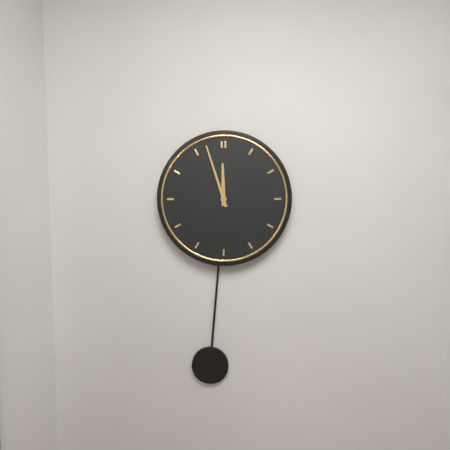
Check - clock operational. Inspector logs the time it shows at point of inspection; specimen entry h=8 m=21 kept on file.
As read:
h=11 m=57
